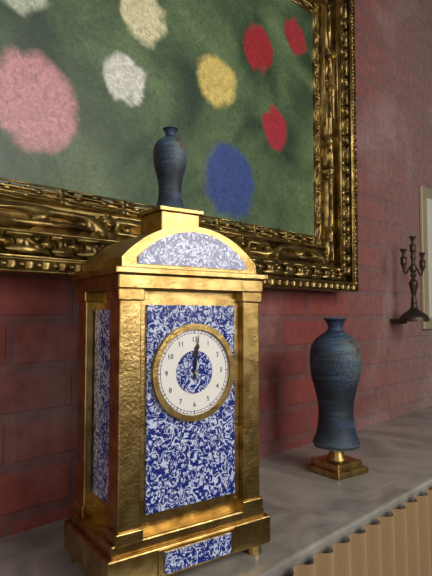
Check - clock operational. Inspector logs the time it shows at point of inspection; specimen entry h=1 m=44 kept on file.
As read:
h=12 m=1
